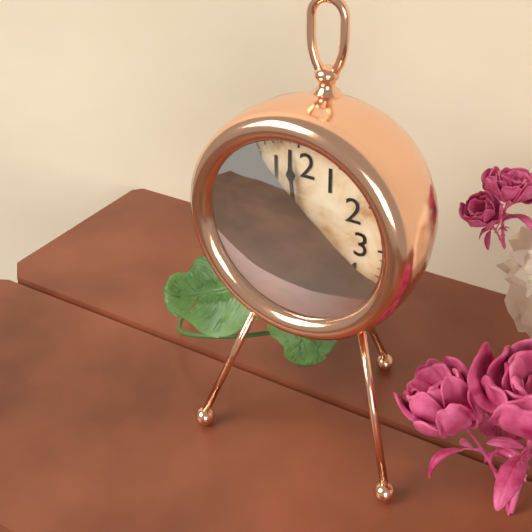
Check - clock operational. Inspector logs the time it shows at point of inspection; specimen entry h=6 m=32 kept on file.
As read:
h=9 m=59
